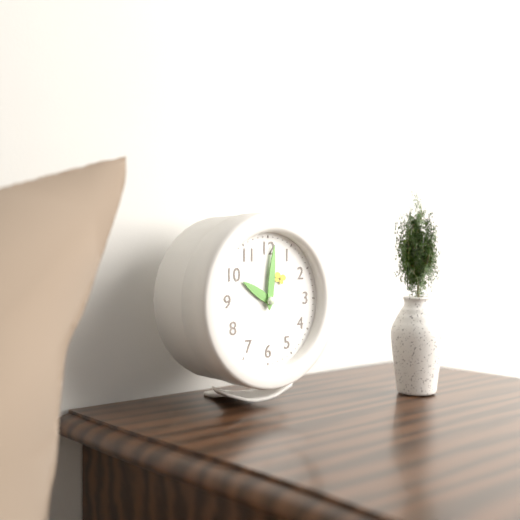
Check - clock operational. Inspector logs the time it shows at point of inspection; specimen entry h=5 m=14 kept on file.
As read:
h=10 m=1
